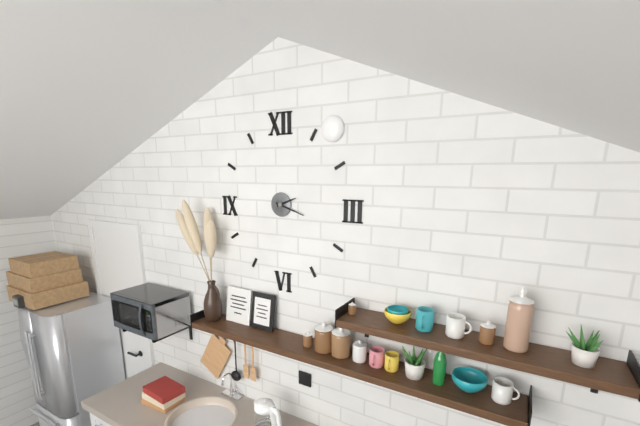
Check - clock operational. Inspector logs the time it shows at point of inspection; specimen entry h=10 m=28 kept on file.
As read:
h=2 m=18
